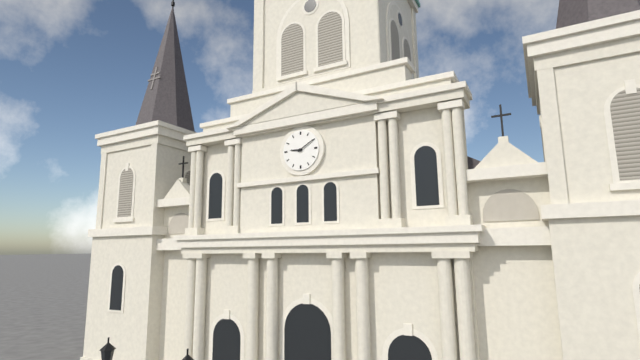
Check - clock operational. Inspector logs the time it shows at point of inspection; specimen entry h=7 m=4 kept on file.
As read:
h=9 m=10
